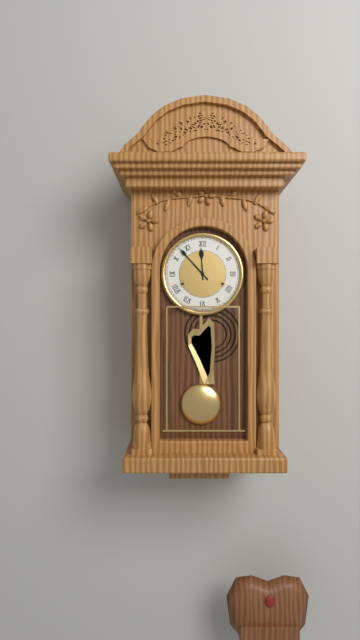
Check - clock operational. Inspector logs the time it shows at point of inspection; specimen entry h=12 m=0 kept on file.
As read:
h=11 m=53
